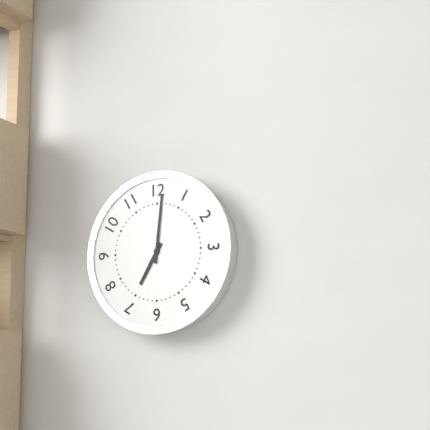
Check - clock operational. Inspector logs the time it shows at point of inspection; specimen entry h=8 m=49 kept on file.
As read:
h=7 m=1
